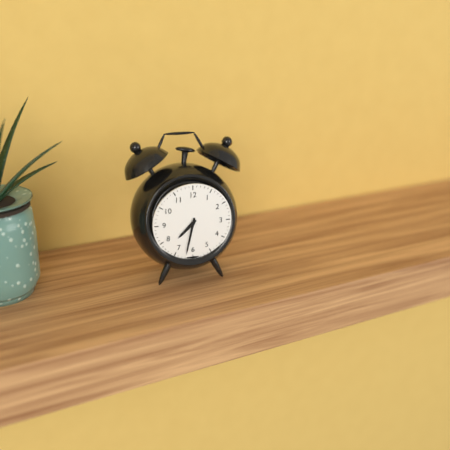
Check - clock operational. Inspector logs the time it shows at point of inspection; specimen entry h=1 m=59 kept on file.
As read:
h=7 m=32
